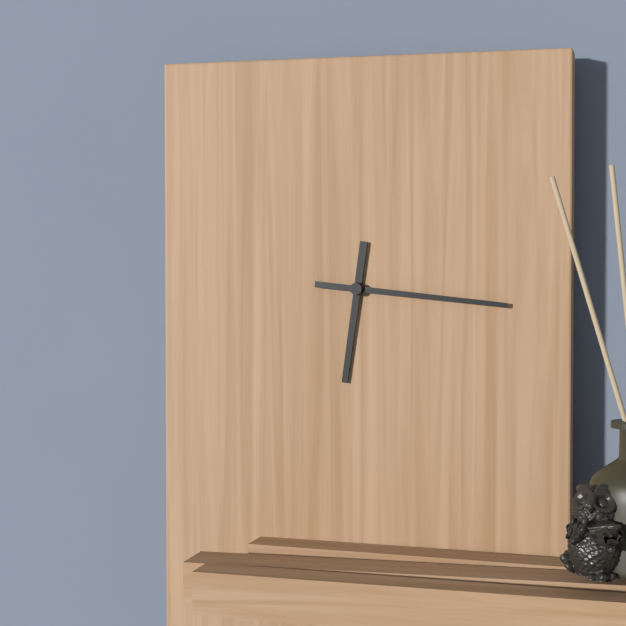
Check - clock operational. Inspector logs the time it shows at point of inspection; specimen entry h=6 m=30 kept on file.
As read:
h=6 m=16
